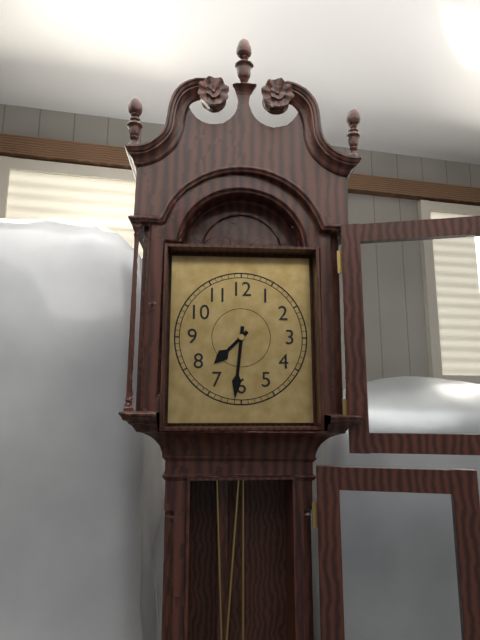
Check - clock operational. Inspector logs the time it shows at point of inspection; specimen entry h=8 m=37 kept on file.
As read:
h=7 m=31
